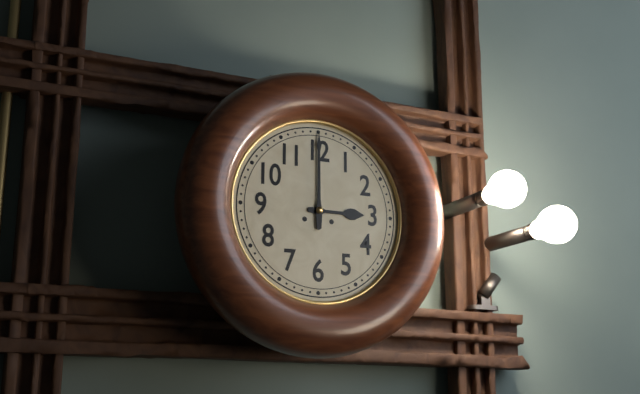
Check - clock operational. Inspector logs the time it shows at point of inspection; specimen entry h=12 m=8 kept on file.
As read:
h=3 m=0
